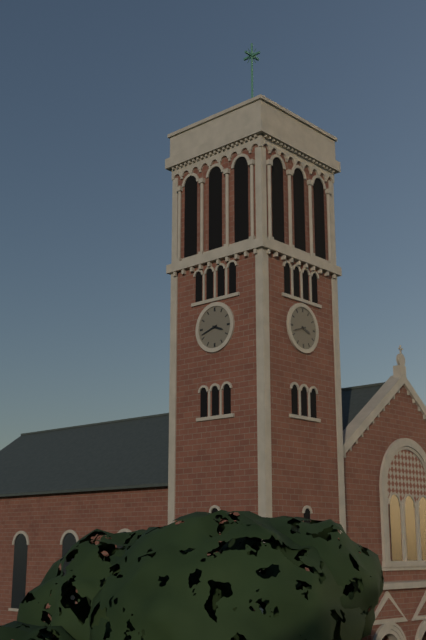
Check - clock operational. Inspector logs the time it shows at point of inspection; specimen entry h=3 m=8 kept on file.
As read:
h=3 m=42
